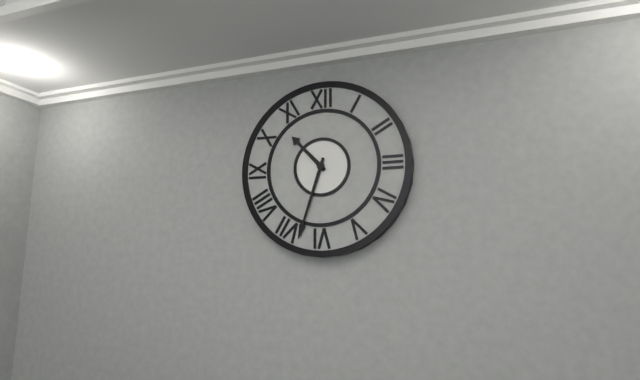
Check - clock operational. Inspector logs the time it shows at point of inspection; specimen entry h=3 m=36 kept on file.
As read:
h=10 m=33
